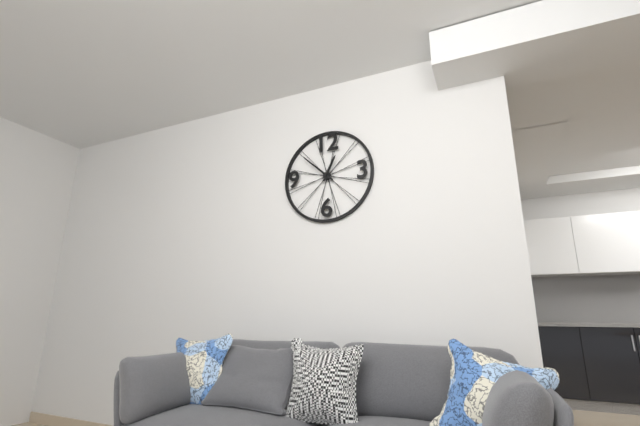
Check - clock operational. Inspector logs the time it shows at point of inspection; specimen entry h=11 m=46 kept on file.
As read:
h=12 m=52
